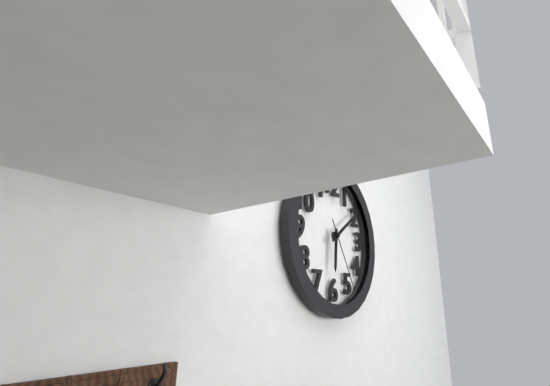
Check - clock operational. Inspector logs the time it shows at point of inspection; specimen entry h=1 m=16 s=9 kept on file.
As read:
h=6 m=9 s=25
